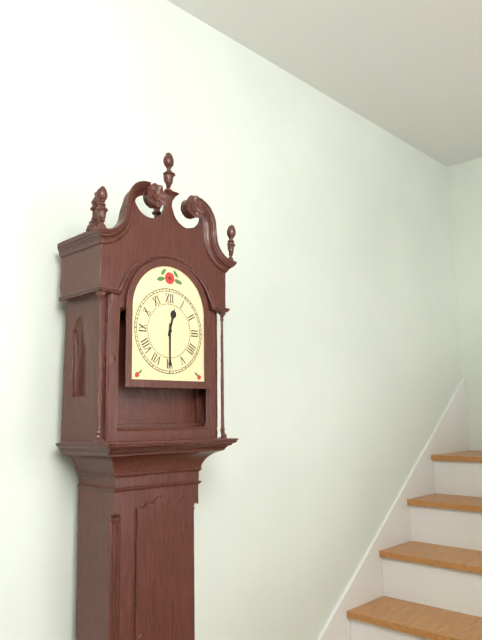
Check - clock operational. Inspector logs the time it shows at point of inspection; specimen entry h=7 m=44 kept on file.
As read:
h=12 m=30
